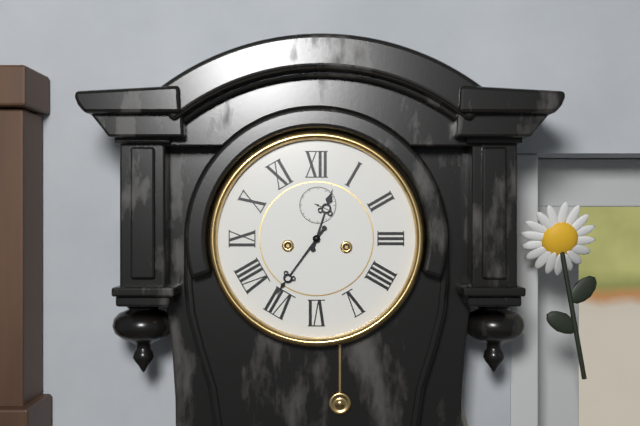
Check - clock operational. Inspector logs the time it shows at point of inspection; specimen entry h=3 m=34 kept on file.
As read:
h=12 m=36
